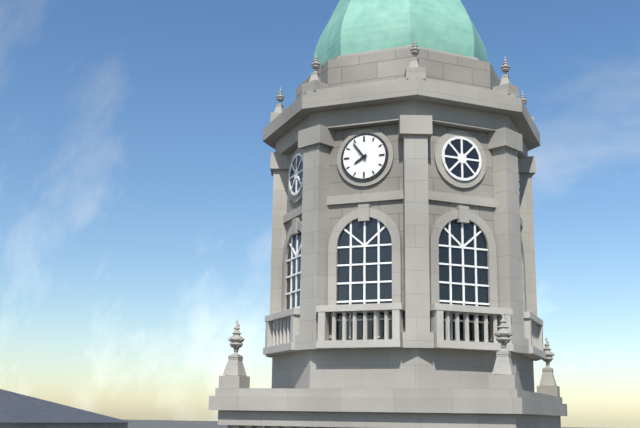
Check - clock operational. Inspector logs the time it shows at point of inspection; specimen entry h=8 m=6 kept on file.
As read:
h=7 m=54
